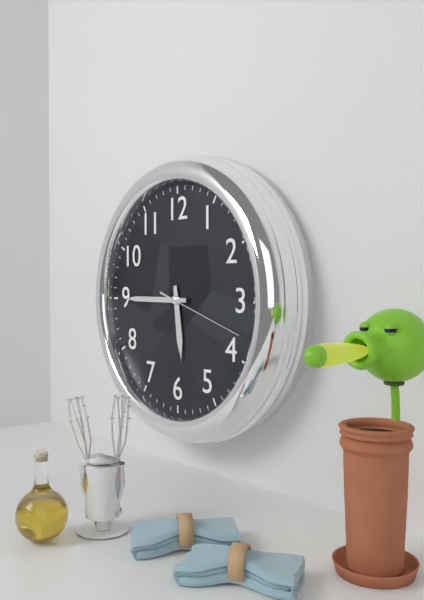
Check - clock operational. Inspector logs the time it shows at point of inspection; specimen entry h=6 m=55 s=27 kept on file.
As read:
h=5 m=45 s=18
